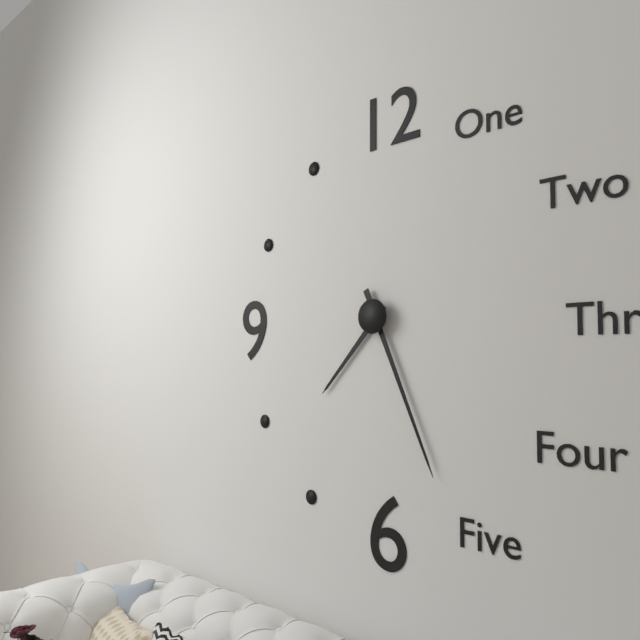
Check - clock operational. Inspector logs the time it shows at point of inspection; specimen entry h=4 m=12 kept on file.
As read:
h=7 m=26
